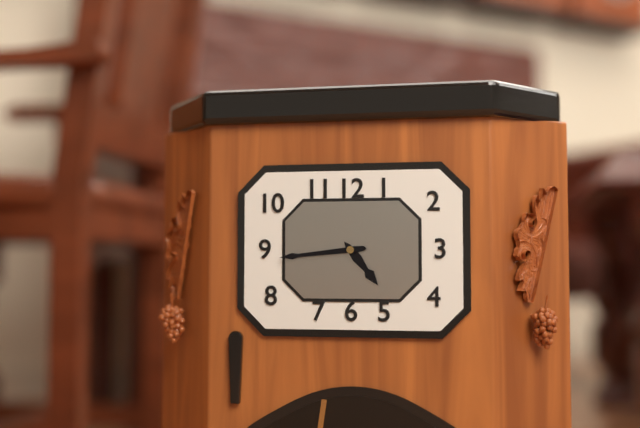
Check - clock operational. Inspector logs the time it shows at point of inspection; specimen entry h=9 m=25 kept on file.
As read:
h=4 m=44
